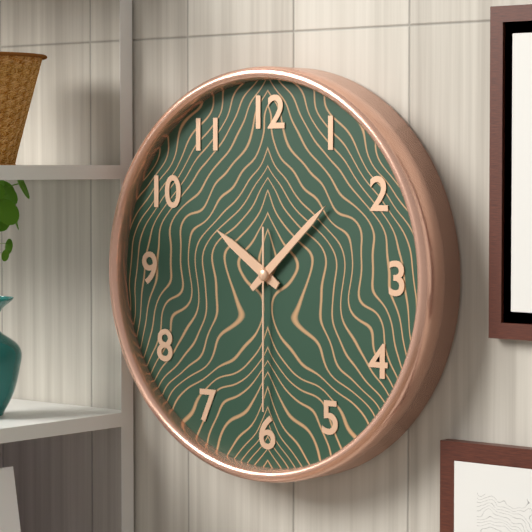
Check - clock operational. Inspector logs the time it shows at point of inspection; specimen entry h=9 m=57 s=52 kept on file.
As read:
h=10 m=8 s=30
